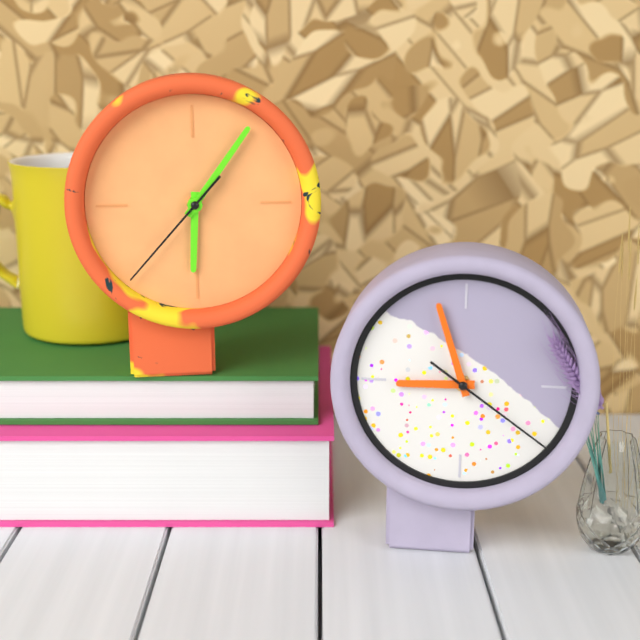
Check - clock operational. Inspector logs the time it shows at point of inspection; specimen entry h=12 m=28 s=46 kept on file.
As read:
h=6 m=6 s=37
